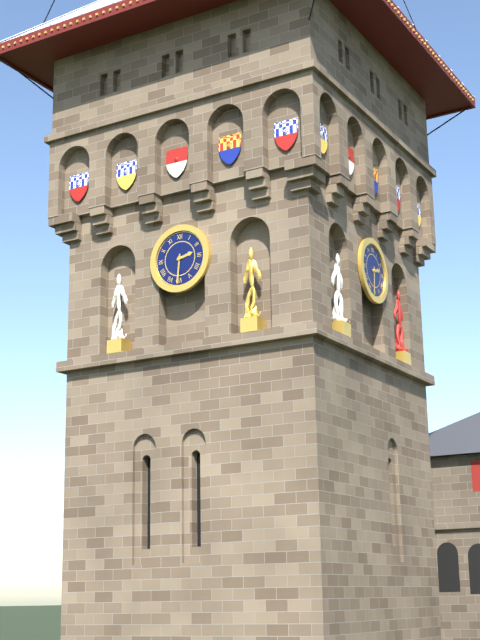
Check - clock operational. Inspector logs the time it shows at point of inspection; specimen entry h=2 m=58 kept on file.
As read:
h=2 m=31
